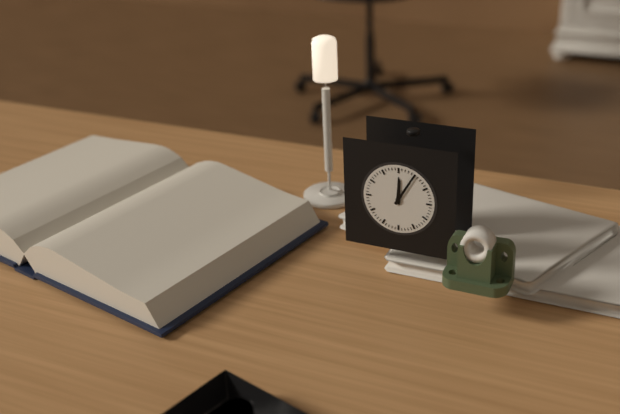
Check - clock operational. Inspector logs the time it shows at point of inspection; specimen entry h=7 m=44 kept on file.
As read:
h=12 m=5
